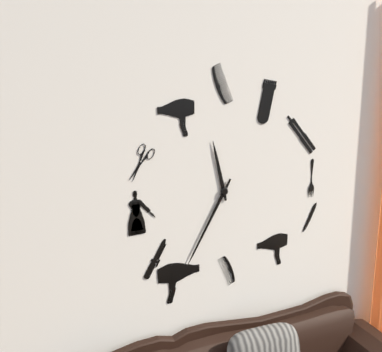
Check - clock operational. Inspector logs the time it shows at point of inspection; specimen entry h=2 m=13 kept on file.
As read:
h=11 m=35
